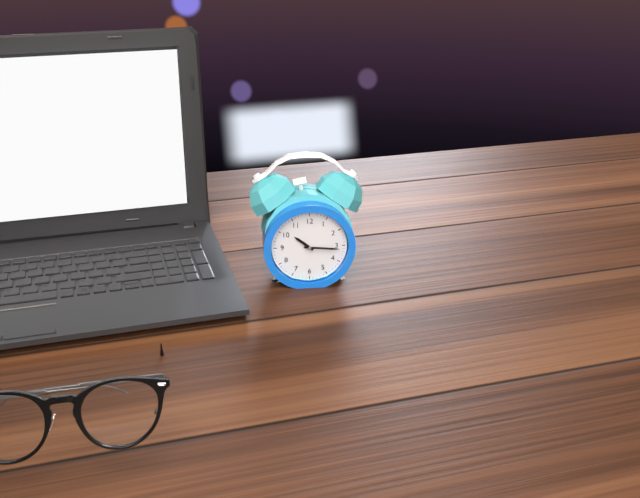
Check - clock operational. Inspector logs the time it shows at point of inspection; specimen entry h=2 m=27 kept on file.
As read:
h=10 m=16
